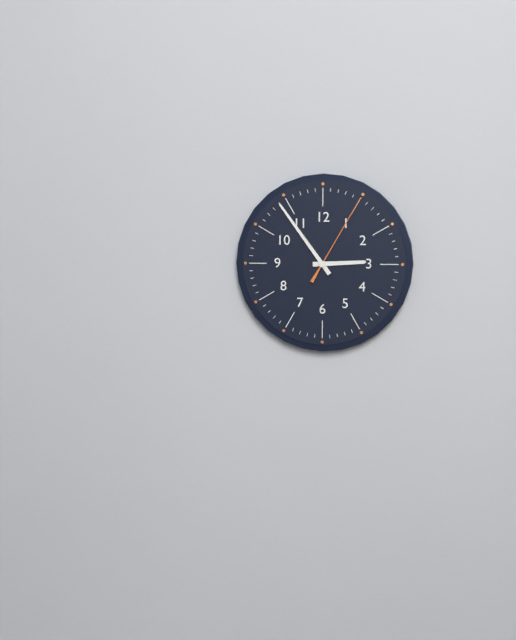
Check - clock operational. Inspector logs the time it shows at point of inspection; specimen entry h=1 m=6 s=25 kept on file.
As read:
h=2 m=54 s=5
